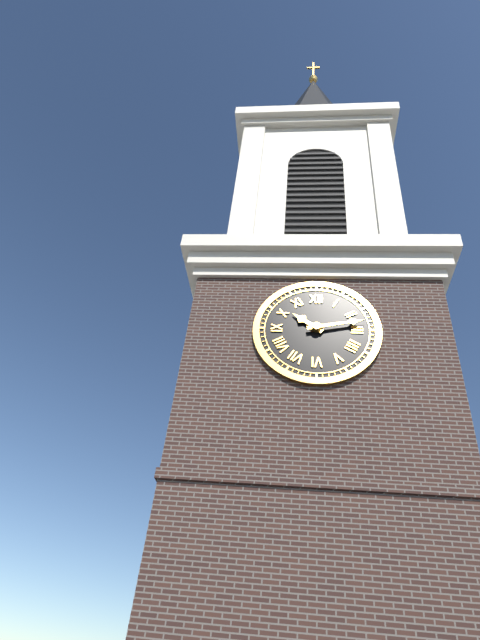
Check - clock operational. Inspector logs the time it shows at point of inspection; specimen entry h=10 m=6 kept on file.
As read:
h=10 m=13
